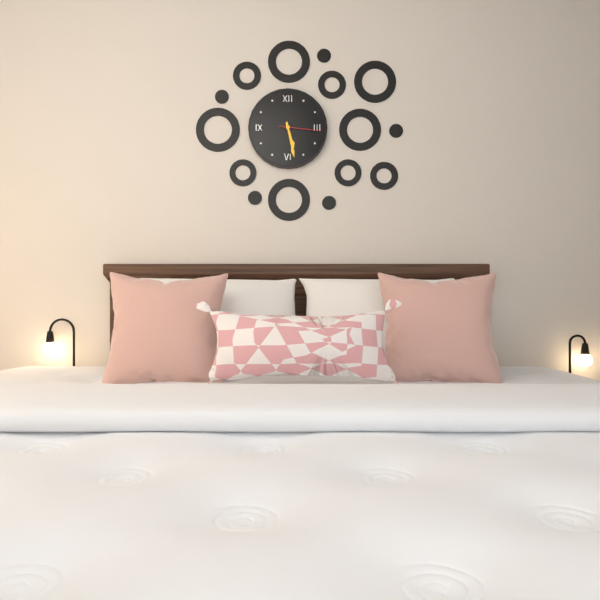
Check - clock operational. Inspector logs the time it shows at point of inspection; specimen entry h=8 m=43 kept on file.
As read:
h=5 m=28
